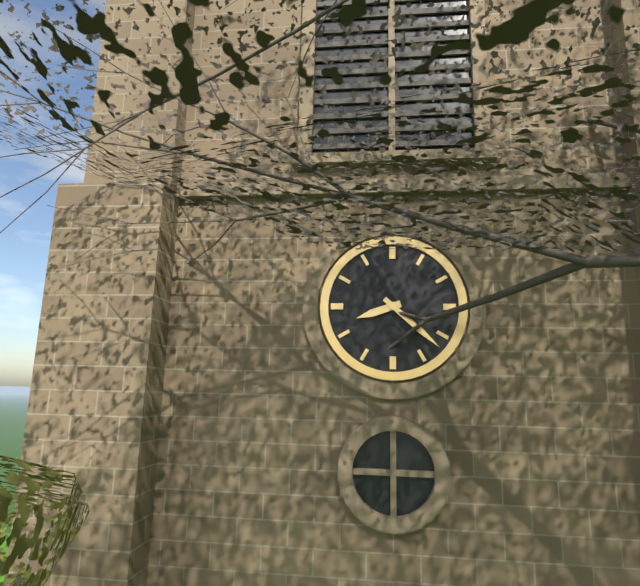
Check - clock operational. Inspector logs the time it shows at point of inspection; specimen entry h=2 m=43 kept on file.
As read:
h=8 m=22
